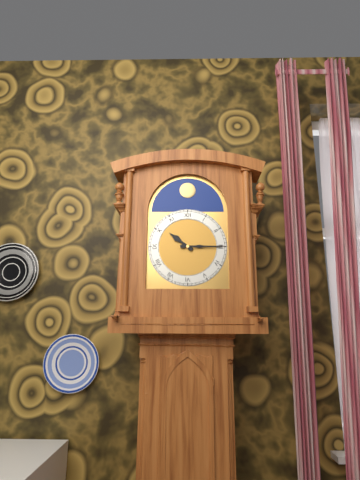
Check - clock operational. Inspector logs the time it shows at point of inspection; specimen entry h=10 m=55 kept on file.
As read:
h=10 m=15
